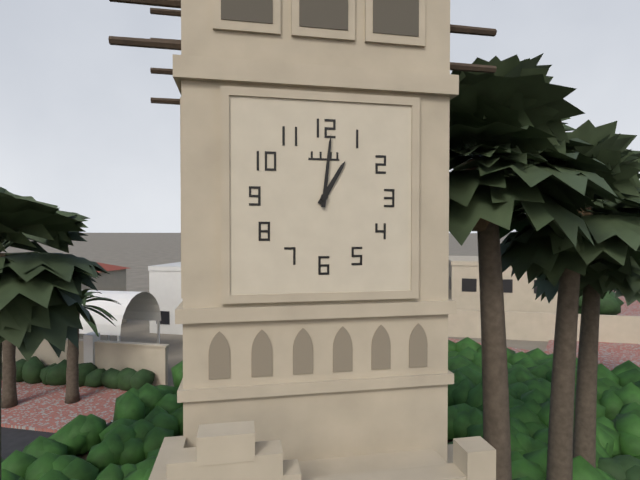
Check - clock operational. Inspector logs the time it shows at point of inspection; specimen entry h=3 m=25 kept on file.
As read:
h=1 m=1
